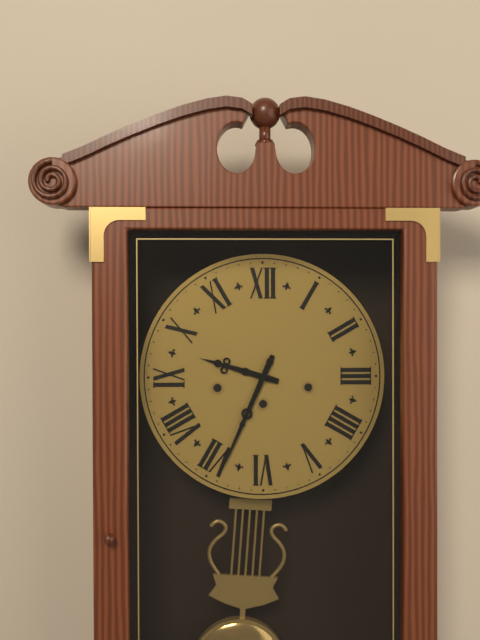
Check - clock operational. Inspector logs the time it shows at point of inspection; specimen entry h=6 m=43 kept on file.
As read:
h=9 m=34
